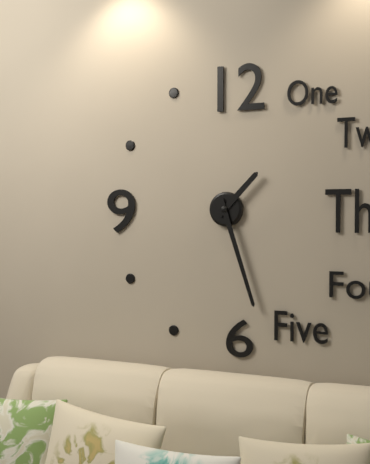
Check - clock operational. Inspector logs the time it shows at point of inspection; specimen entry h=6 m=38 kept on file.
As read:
h=1 m=27
